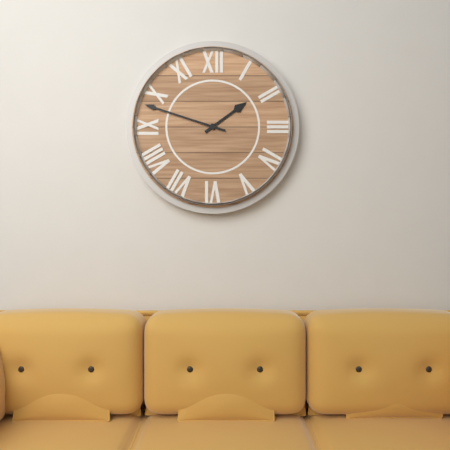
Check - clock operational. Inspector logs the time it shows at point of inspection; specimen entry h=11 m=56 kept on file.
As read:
h=1 m=48
